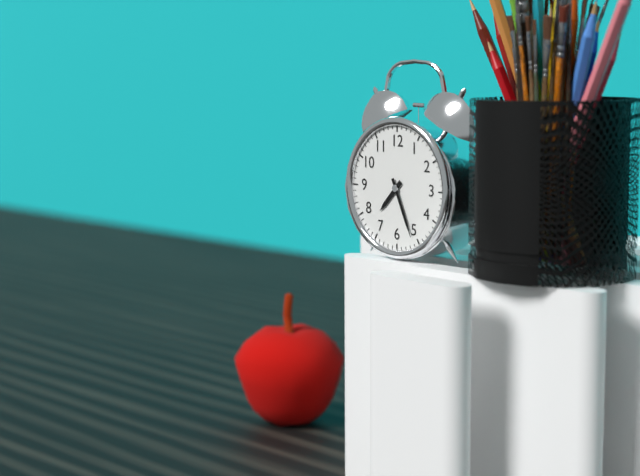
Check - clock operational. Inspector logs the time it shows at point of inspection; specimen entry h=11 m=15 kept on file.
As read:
h=7 m=26
